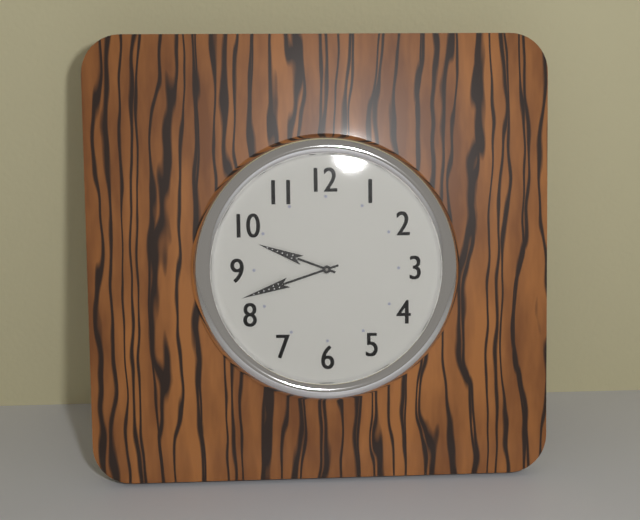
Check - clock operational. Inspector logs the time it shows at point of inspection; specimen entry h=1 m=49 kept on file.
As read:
h=9 m=42
